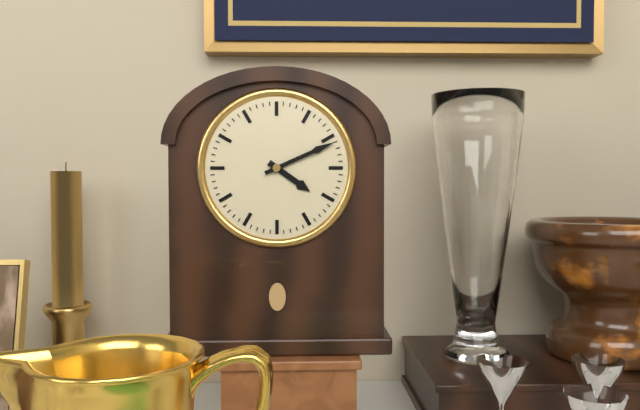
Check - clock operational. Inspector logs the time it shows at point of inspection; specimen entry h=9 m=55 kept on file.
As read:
h=4 m=11
